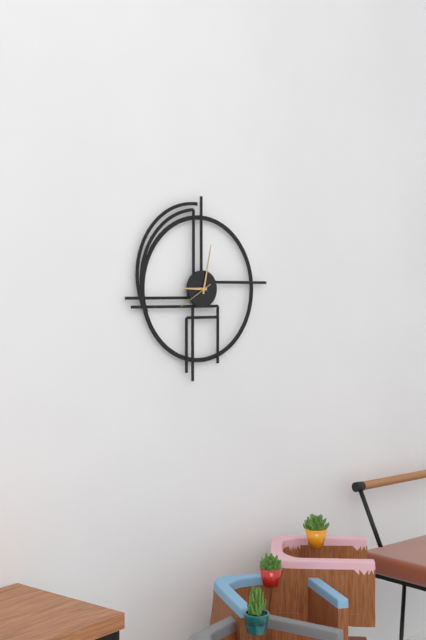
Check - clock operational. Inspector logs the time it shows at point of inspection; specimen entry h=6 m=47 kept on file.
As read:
h=9 m=2
